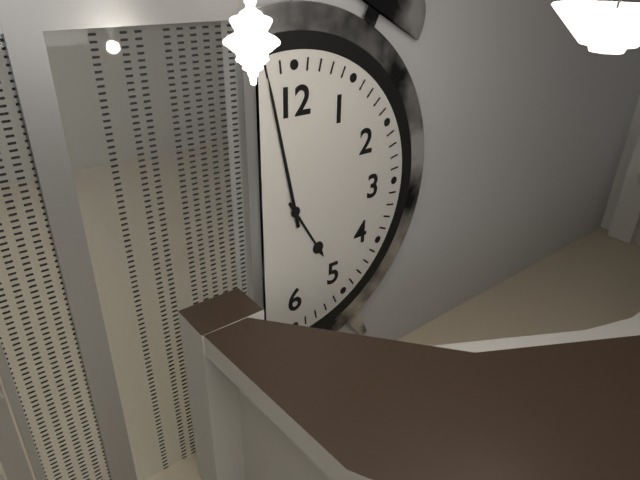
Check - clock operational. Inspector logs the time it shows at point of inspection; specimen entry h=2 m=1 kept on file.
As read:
h=4 m=58
